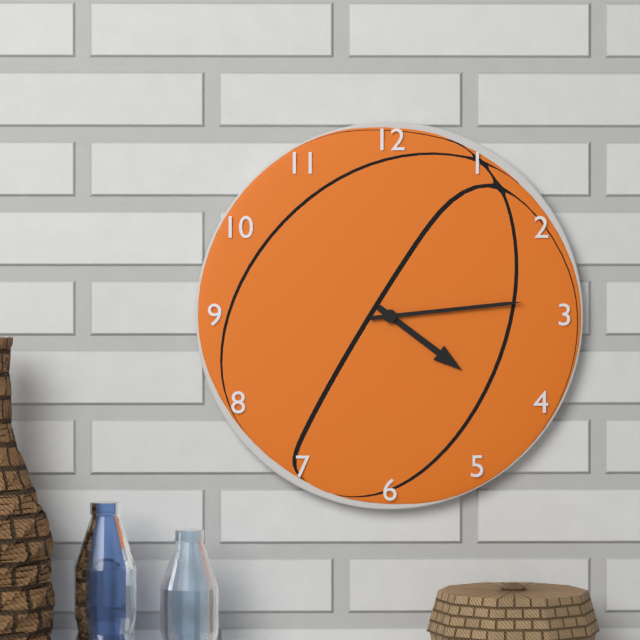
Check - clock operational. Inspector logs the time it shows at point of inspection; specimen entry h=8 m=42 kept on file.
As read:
h=4 m=14
